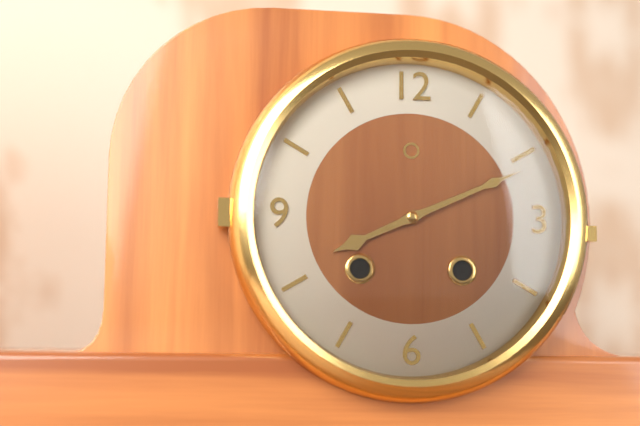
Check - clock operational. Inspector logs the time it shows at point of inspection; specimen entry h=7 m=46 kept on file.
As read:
h=8 m=11
